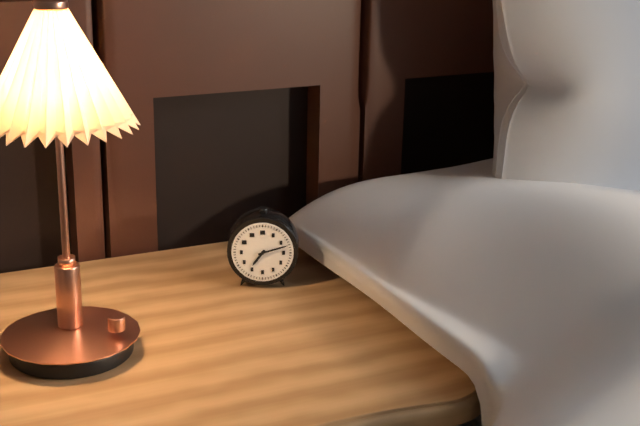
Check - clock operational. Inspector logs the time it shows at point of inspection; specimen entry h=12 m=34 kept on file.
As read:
h=7 m=12
